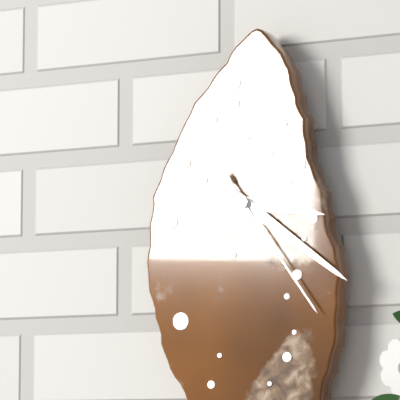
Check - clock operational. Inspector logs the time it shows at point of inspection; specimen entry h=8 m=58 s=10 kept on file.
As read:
h=3 m=21 s=24
